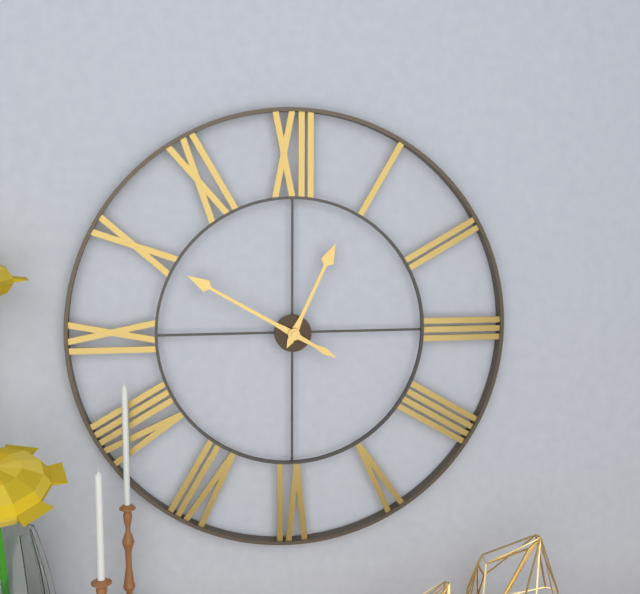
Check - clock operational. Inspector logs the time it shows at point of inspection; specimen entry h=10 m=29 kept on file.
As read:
h=12 m=50
